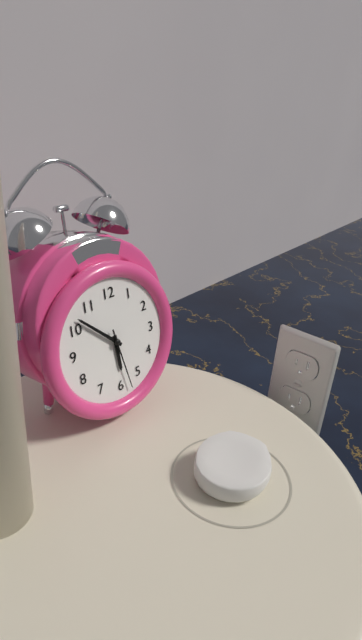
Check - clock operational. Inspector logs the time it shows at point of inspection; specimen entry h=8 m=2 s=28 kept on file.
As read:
h=5 m=52 s=28
